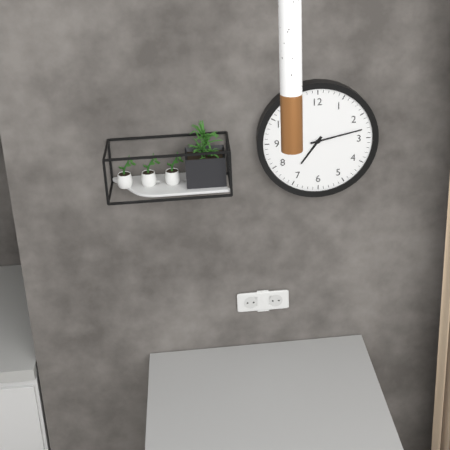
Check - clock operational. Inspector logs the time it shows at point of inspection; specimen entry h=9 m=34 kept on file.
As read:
h=7 m=13
